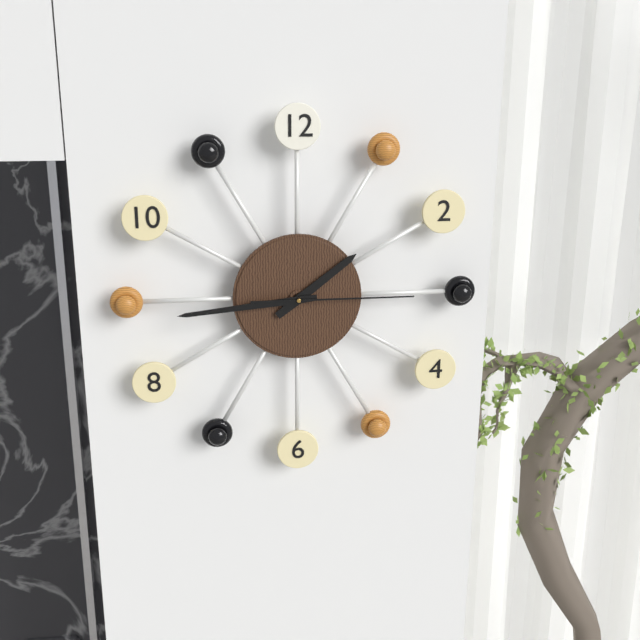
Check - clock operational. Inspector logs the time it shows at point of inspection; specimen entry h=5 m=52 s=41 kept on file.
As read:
h=1 m=44 s=15
